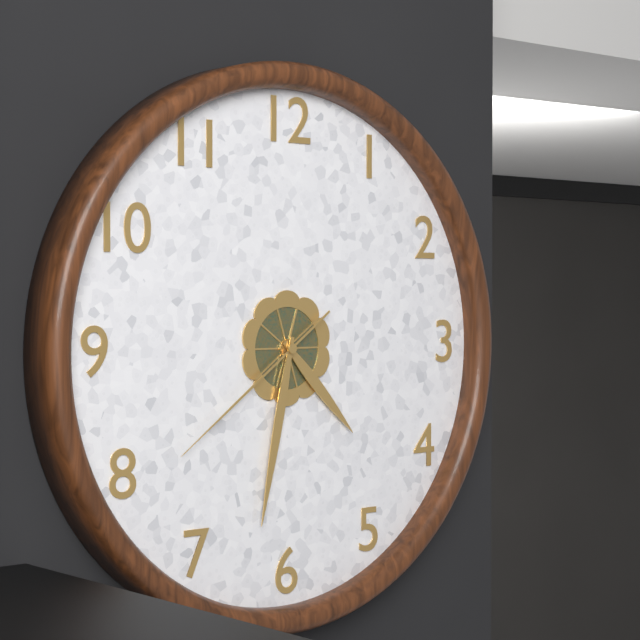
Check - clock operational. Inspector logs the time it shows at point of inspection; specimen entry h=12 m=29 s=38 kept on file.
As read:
h=4 m=32 s=39
